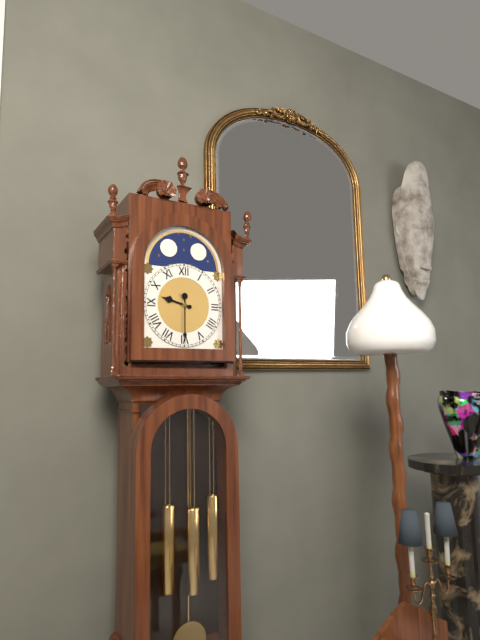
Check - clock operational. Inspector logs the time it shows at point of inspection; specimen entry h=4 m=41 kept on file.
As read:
h=9 m=30
